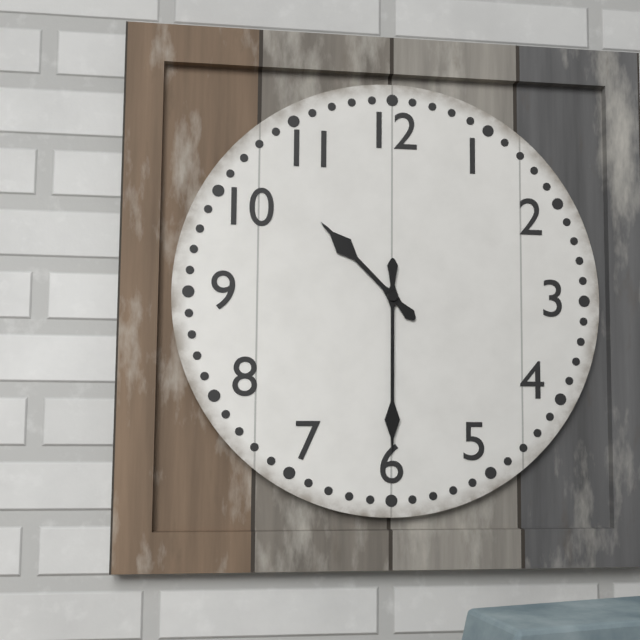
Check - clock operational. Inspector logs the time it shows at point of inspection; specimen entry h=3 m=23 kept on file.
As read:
h=10 m=30
